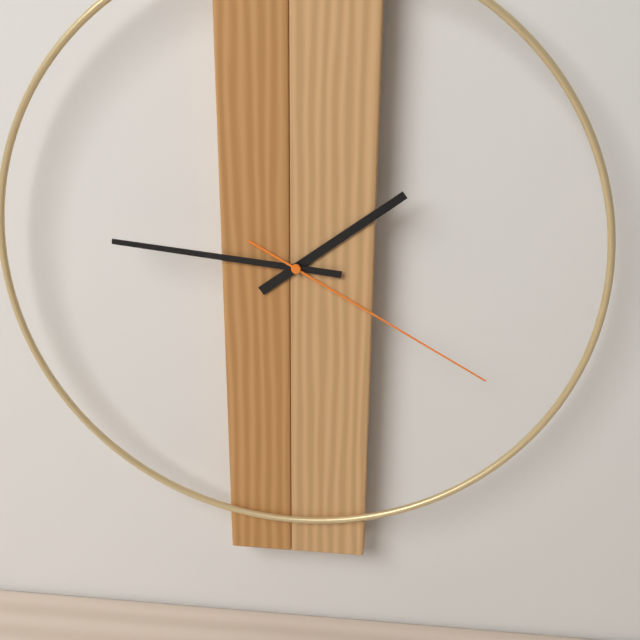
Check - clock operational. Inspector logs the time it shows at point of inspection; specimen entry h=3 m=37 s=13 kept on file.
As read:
h=1 m=46 s=20
